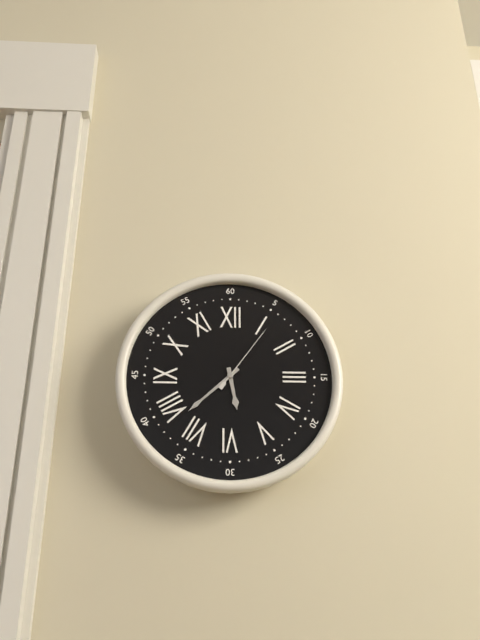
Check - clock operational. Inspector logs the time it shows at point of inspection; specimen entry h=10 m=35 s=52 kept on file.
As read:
h=5 m=38 s=6
